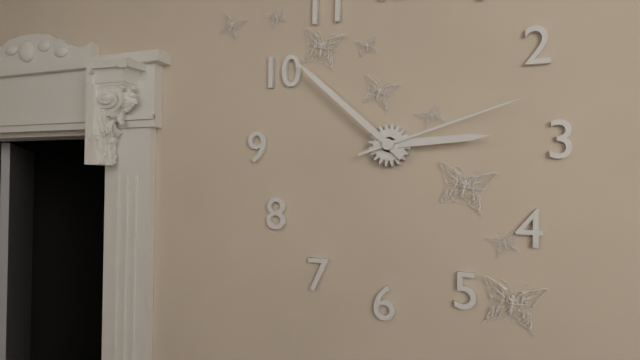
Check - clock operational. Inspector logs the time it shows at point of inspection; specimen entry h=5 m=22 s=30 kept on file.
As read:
h=2 m=52 s=12
